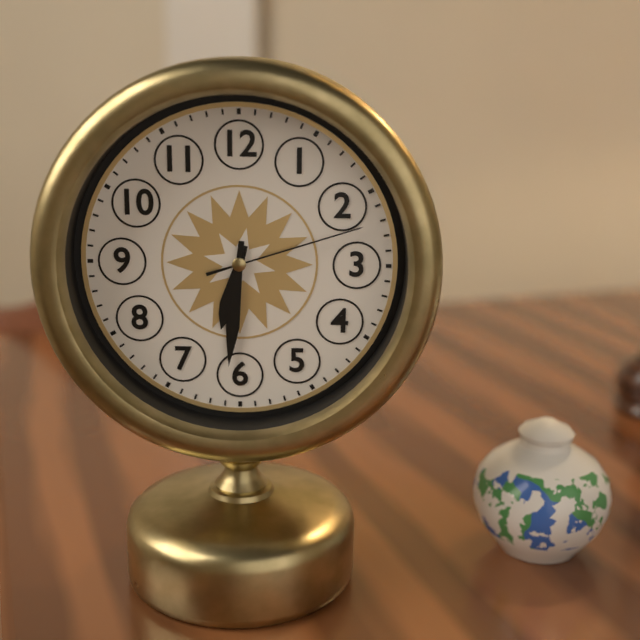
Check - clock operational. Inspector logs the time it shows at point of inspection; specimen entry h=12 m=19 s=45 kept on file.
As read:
h=6 m=31 s=12
